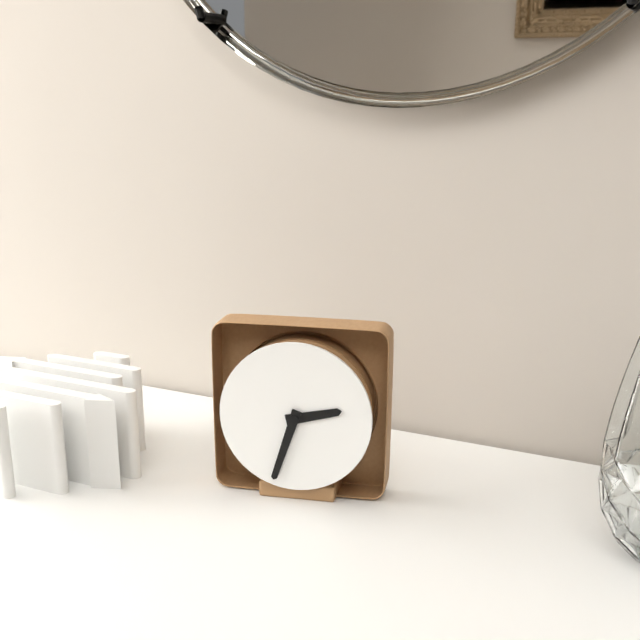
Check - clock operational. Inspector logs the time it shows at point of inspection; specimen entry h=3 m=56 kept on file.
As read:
h=2 m=33
